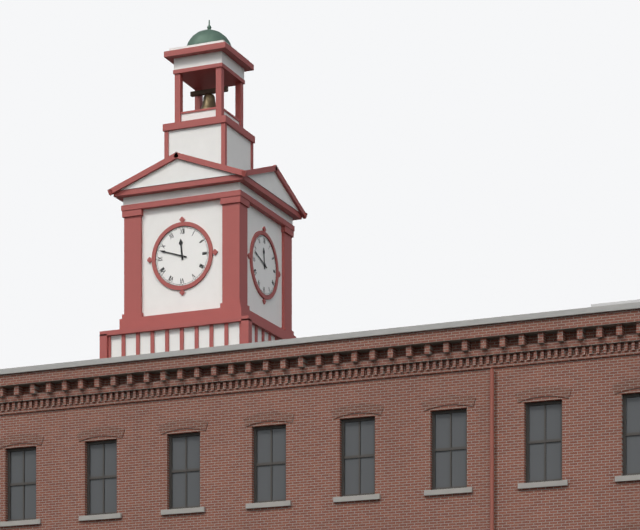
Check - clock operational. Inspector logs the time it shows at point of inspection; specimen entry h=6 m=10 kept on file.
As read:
h=11 m=48
